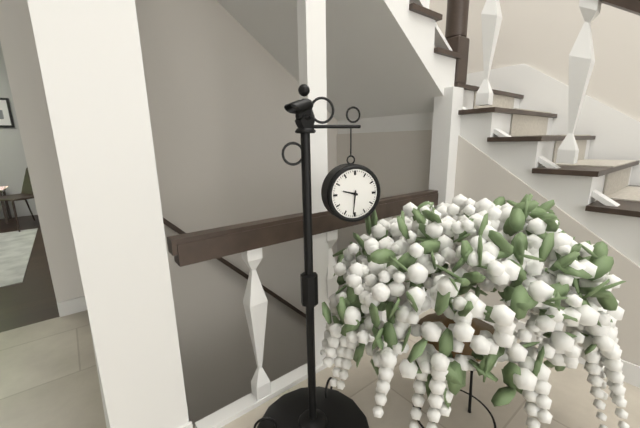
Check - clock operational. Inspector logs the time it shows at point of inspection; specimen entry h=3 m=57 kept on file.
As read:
h=9 m=31
